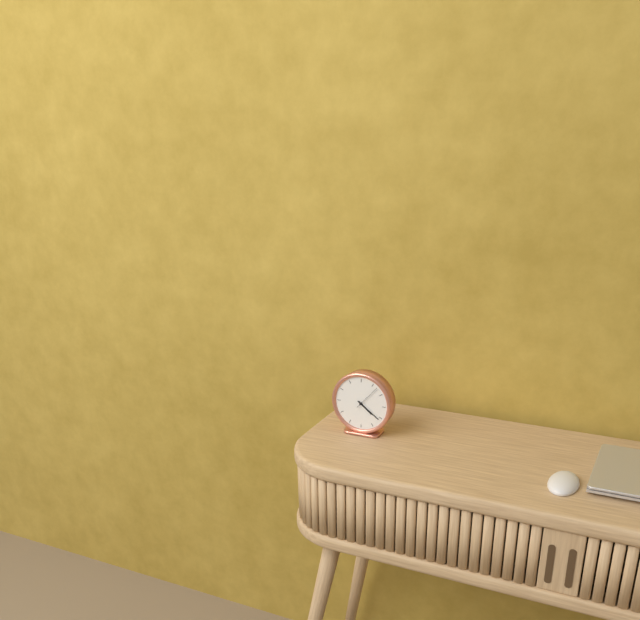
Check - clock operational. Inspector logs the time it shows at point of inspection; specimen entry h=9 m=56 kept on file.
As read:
h=4 m=21
